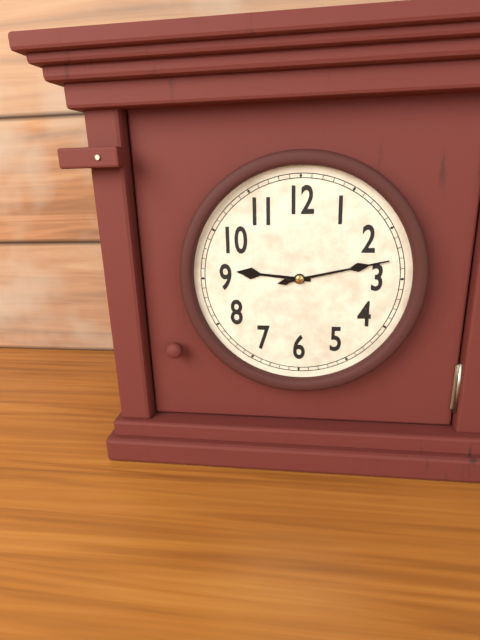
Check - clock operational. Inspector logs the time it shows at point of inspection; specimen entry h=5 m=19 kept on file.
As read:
h=9 m=13
